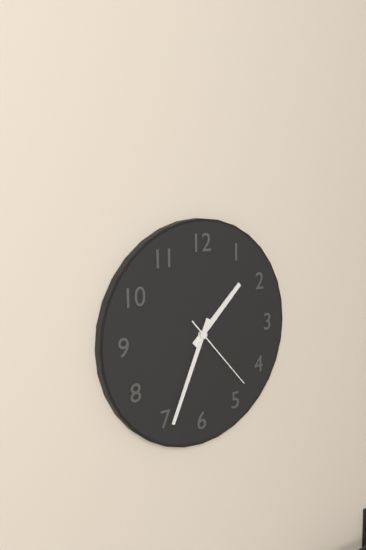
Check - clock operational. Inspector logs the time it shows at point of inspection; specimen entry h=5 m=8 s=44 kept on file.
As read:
h=1 m=34 s=23
